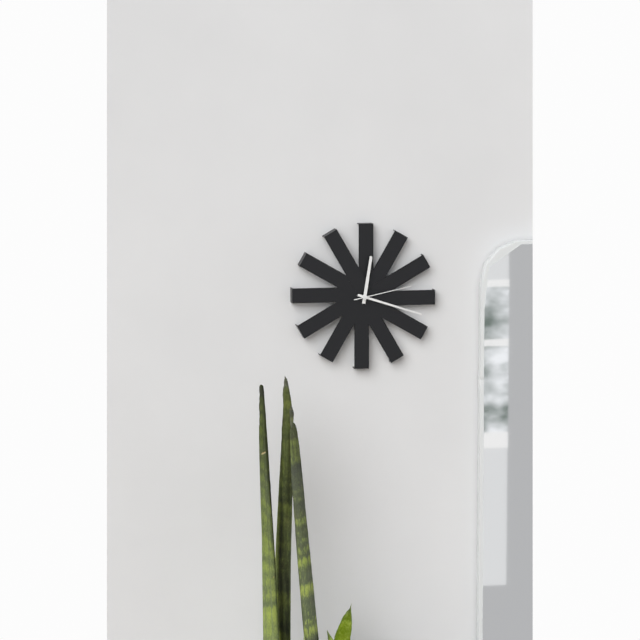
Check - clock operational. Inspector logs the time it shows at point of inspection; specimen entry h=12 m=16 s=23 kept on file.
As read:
h=12 m=18 s=13
